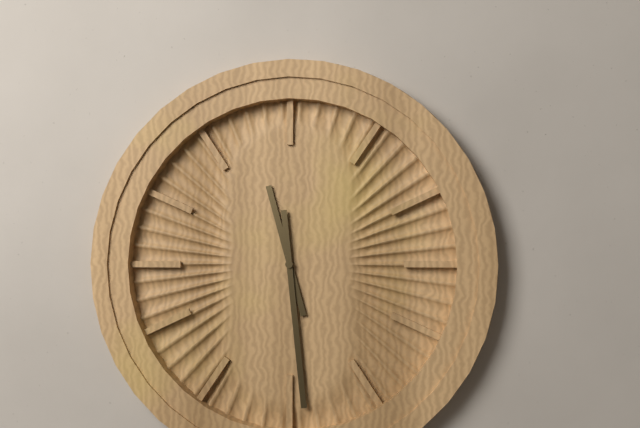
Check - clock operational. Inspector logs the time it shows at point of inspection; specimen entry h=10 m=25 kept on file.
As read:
h=11 m=29
